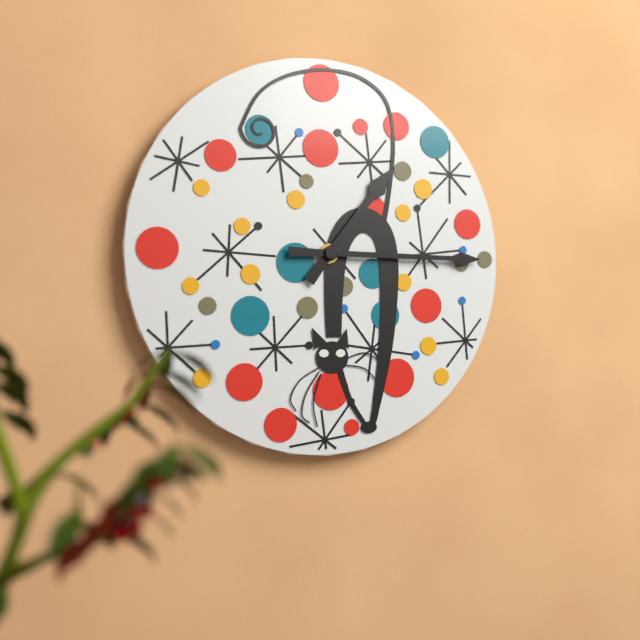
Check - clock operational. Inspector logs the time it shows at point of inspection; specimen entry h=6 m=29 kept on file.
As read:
h=1 m=15
